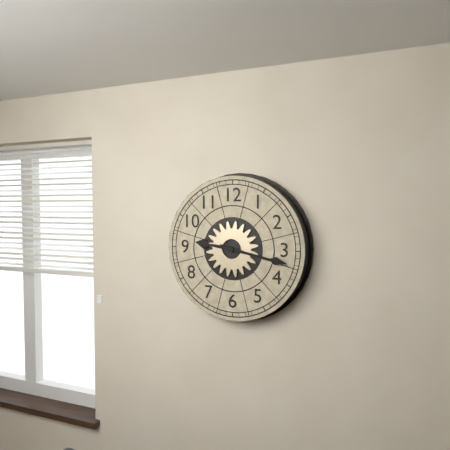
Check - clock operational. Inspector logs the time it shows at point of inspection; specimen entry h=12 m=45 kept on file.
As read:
h=9 m=17
